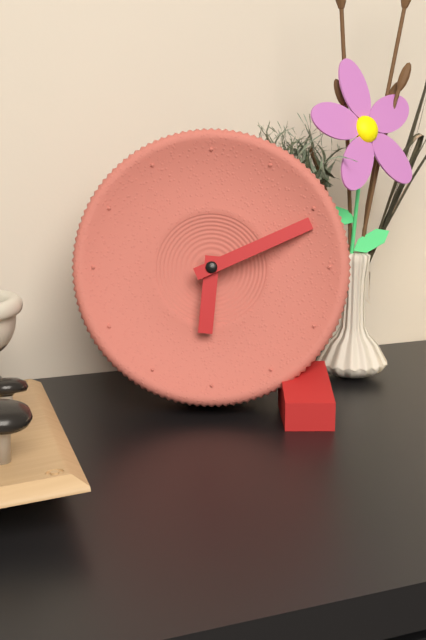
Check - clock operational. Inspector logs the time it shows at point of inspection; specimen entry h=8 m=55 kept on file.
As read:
h=6 m=11
